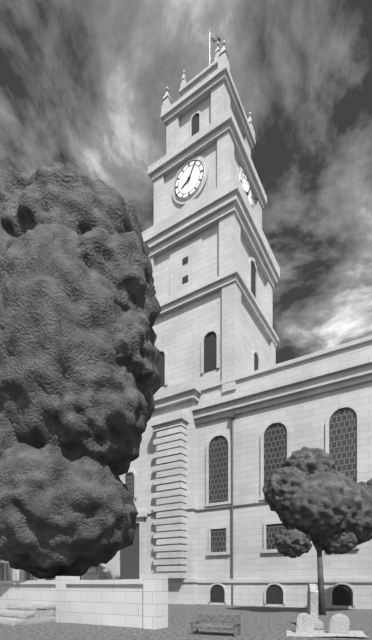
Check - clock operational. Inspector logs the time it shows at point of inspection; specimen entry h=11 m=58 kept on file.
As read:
h=8 m=5
